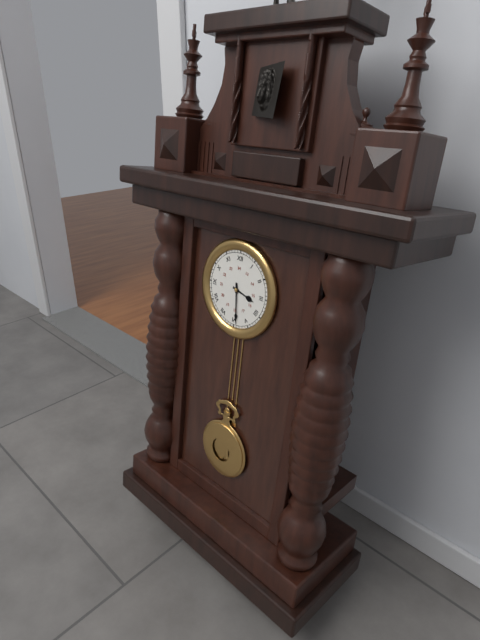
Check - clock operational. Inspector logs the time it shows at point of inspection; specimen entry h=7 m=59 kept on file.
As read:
h=3 m=29
